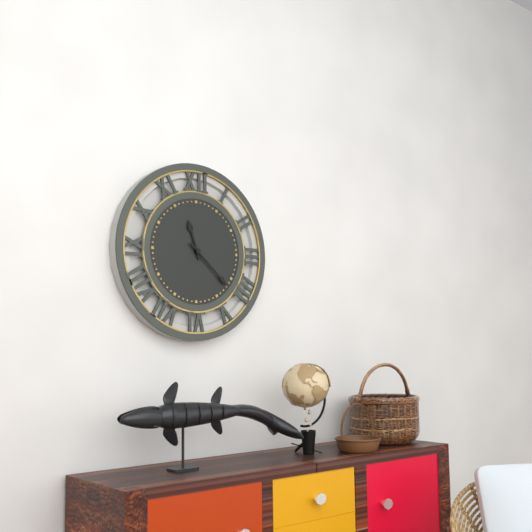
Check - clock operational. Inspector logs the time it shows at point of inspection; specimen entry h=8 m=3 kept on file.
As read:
h=11 m=22
